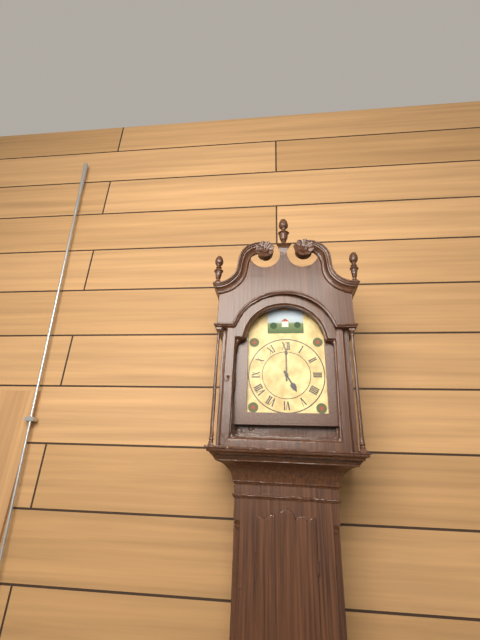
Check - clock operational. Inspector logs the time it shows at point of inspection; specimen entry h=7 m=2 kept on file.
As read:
h=5 m=0
